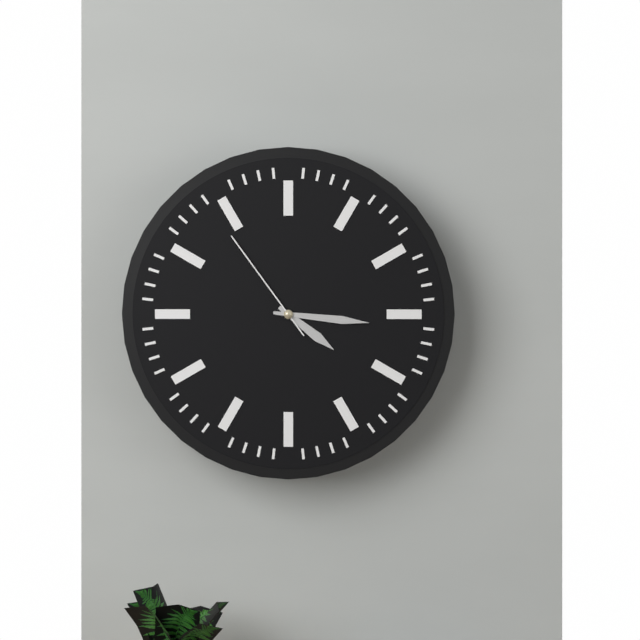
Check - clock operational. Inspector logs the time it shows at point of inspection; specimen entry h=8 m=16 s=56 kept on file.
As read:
h=4 m=16 s=54
